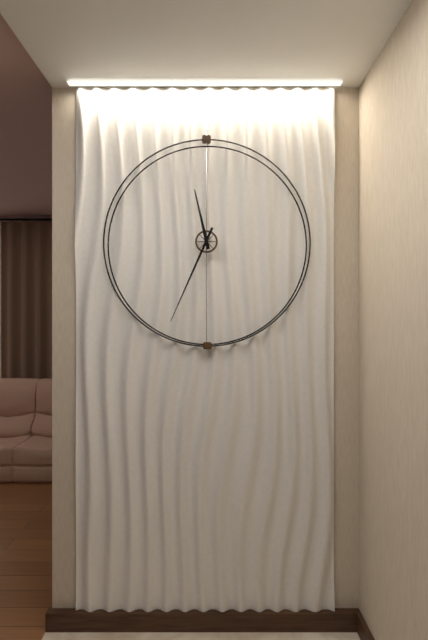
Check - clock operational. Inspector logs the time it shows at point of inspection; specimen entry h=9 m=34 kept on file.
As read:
h=11 m=34
